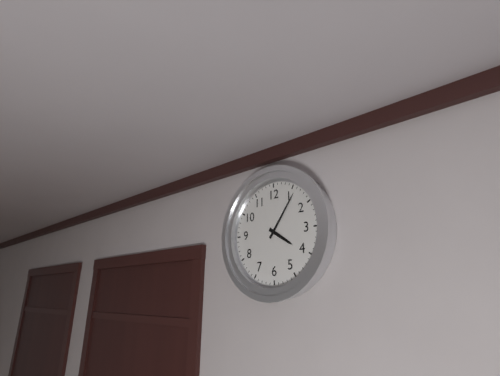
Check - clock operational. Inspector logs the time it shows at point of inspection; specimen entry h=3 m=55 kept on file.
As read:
h=4 m=6
